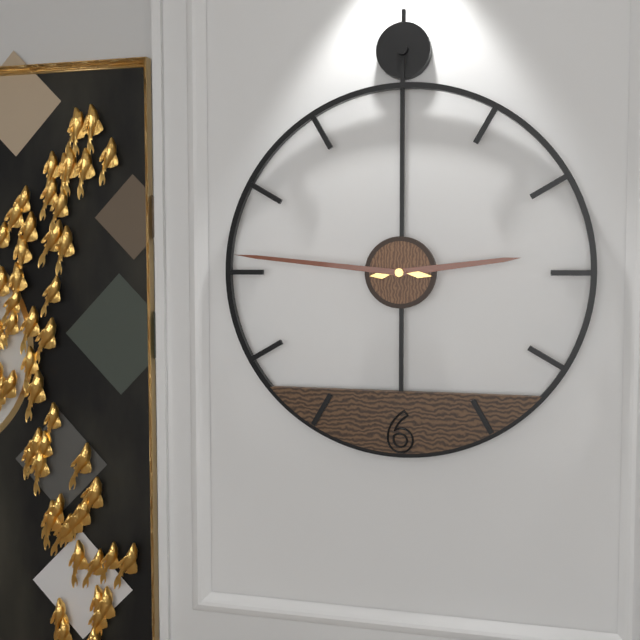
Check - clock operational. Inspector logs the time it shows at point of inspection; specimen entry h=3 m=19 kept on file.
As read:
h=2 m=46
